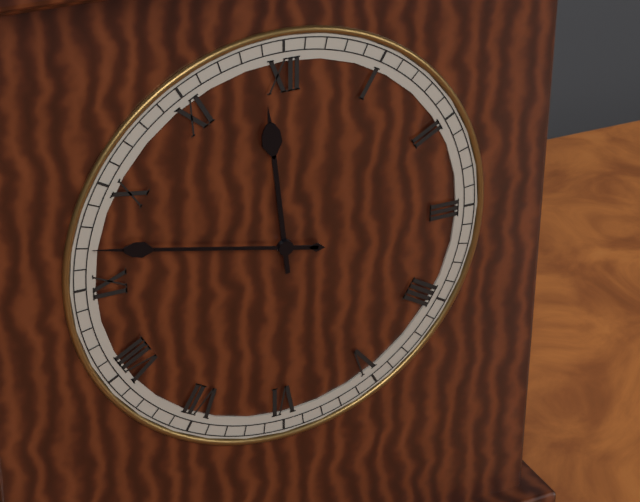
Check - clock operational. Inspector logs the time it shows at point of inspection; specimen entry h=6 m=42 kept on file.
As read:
h=11 m=47
